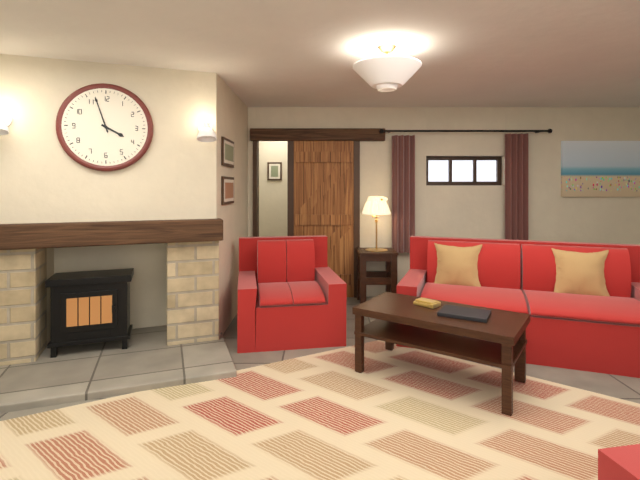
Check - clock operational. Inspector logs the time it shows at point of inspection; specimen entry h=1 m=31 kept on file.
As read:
h=3 m=57
